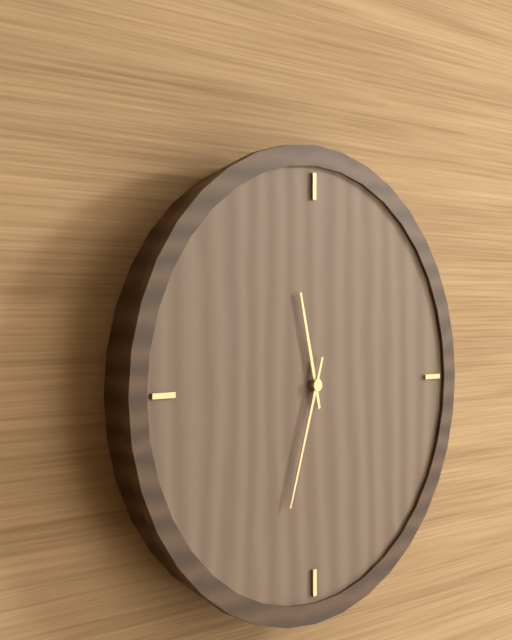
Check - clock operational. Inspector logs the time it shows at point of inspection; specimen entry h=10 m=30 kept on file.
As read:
h=11 m=33
